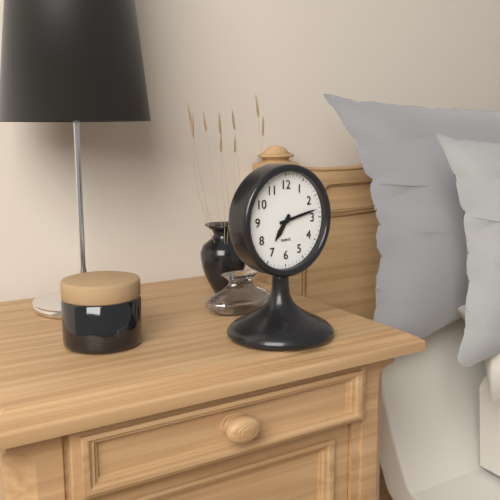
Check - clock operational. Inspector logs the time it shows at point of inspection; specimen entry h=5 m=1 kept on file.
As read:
h=7 m=13
